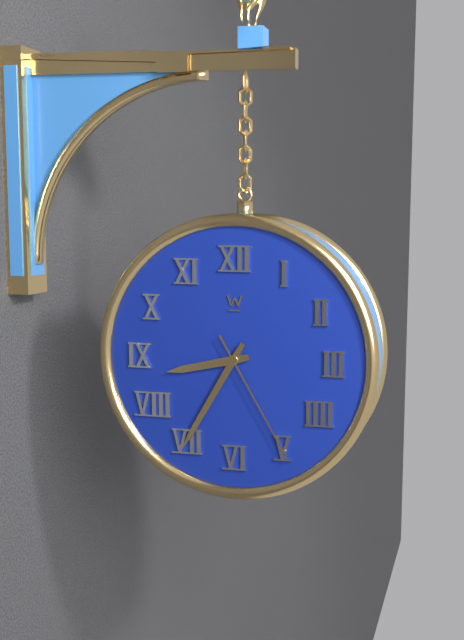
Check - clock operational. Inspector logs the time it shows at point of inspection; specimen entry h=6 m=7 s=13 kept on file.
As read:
h=8 m=35 s=25
